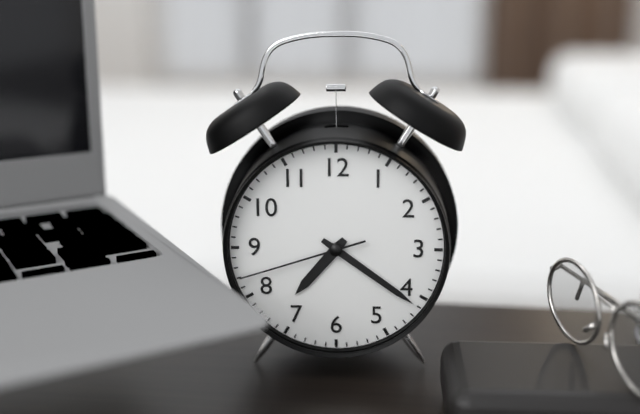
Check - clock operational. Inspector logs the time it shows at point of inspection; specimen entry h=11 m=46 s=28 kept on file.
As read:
h=7 m=21 s=42
